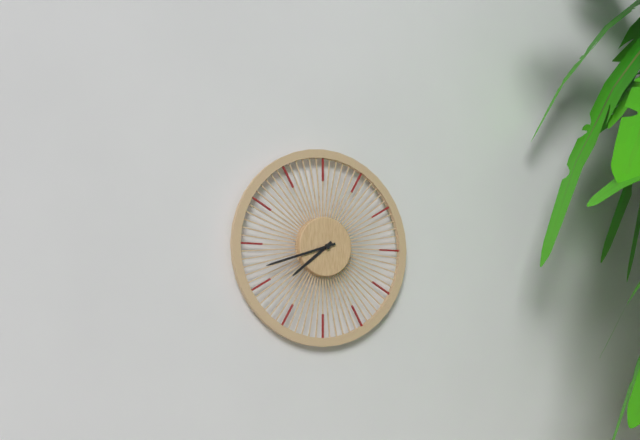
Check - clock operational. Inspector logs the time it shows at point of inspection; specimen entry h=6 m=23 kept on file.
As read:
h=7 m=42
